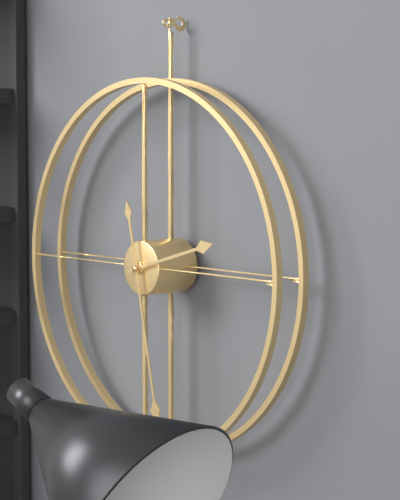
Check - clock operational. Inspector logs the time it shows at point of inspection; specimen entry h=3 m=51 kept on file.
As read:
h=2 m=28
